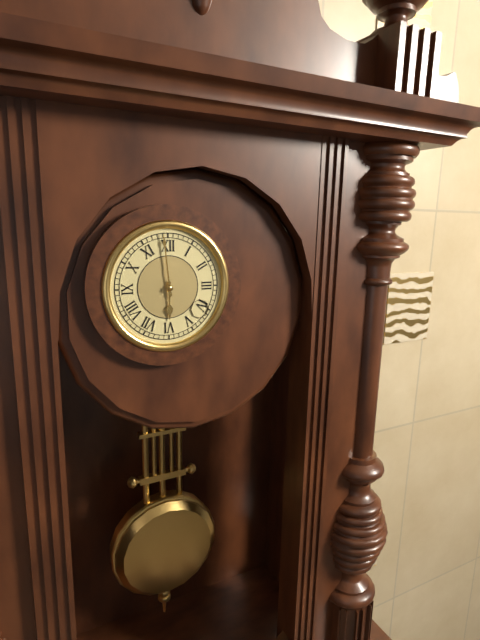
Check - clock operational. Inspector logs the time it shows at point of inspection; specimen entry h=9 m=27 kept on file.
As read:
h=5 m=59
